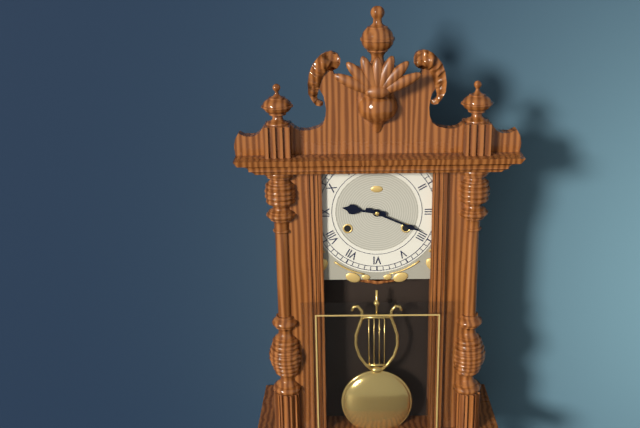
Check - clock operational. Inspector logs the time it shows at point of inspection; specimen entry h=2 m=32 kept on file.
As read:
h=9 m=19
